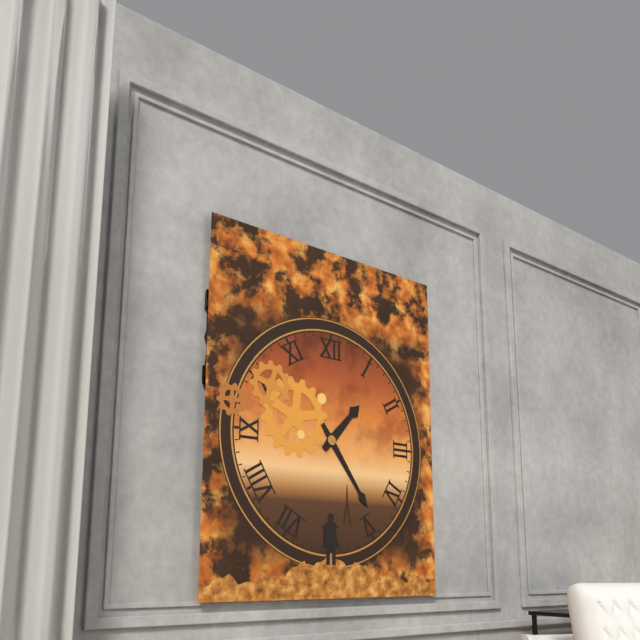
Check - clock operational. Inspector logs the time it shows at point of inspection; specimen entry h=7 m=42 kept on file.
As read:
h=1 m=24
